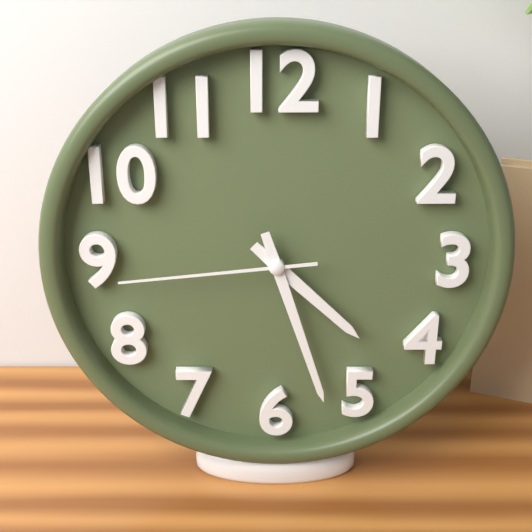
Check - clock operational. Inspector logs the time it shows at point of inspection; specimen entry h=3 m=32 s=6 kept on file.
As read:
h=4 m=27 s=44
